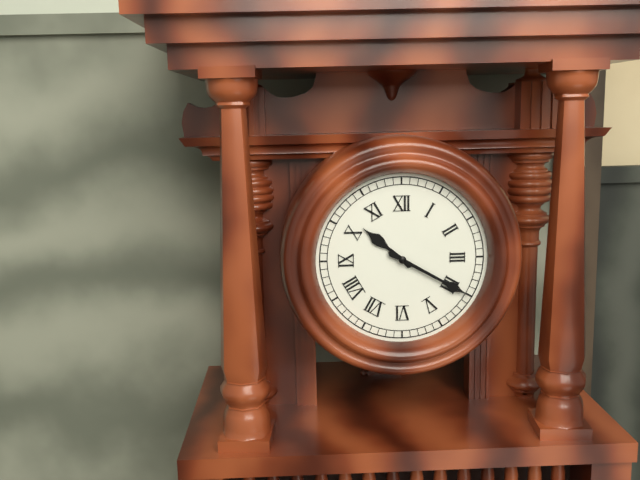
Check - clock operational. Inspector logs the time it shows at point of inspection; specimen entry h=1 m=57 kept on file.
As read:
h=10 m=20
